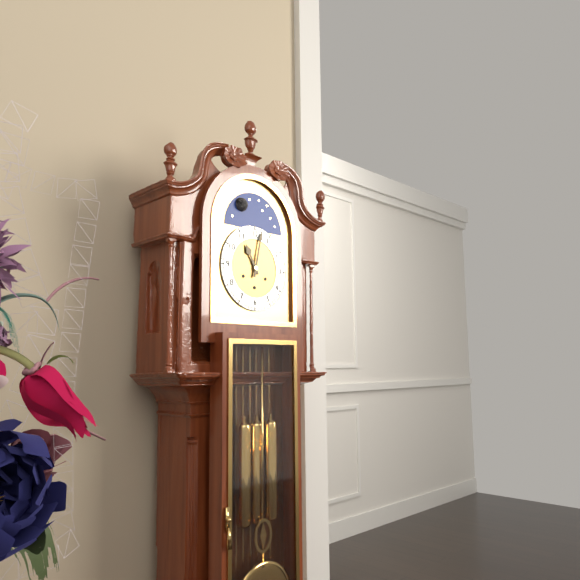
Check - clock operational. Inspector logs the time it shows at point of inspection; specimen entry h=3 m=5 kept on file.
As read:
h=11 m=2
